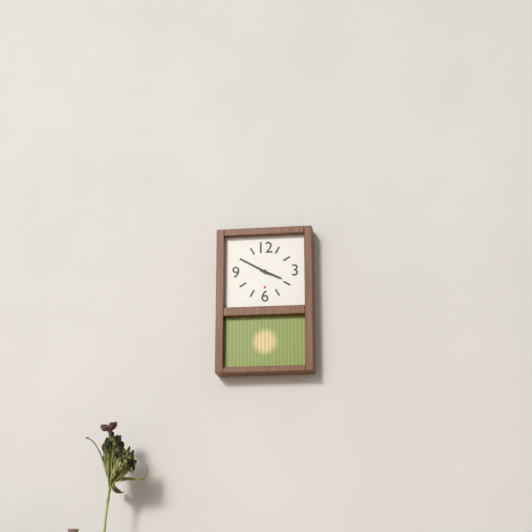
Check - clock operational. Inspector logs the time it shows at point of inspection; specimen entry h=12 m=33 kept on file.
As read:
h=3 m=50
